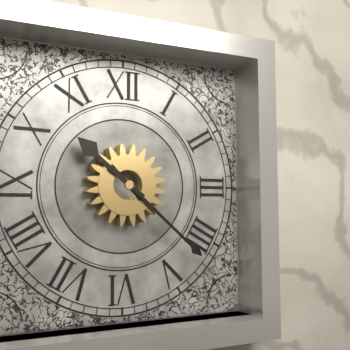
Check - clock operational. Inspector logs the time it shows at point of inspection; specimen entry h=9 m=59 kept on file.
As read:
h=10 m=22
